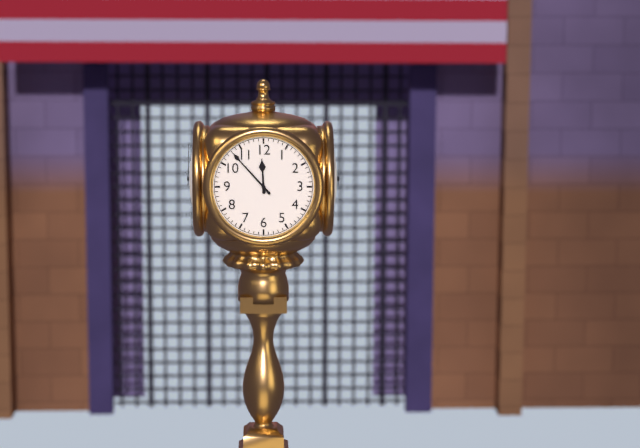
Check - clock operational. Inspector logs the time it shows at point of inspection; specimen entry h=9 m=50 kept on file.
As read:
h=11 m=53
